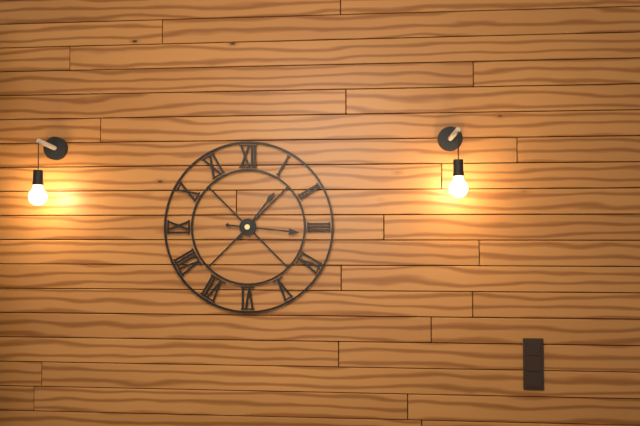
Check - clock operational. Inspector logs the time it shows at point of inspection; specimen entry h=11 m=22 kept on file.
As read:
h=1 m=16
